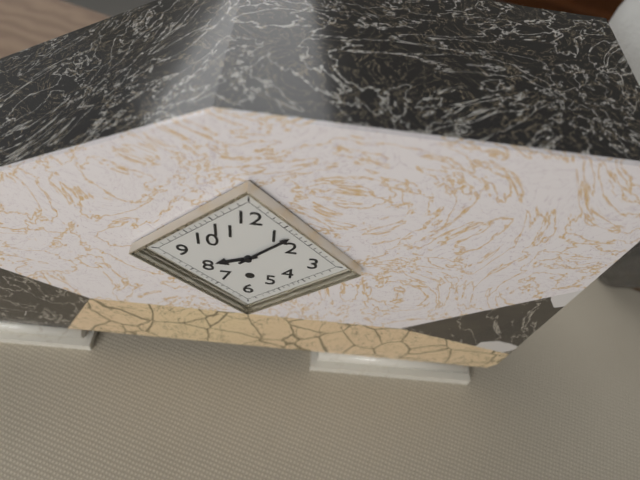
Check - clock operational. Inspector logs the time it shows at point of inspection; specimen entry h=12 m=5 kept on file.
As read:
h=8 m=7
